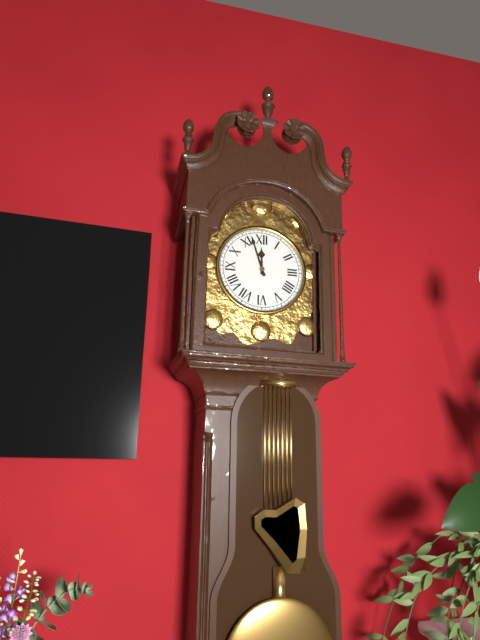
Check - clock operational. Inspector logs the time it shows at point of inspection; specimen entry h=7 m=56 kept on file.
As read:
h=11 m=57
